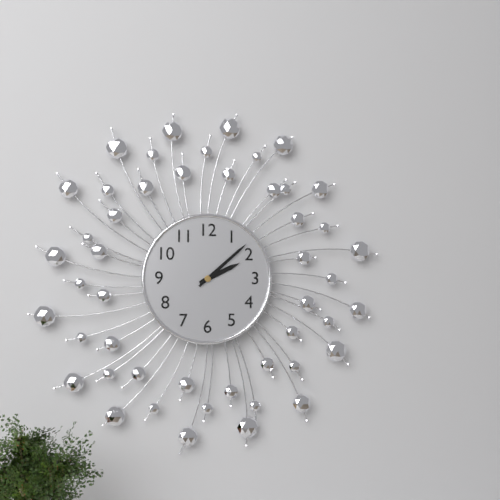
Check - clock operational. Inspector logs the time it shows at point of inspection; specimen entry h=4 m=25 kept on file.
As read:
h=2 m=8
